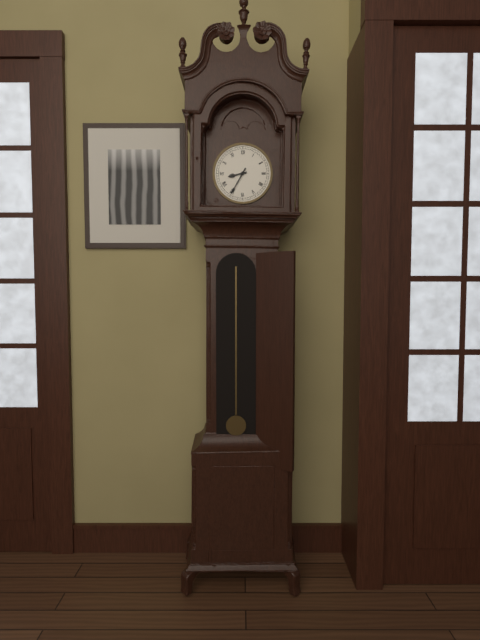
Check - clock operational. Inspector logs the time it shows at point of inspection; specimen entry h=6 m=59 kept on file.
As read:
h=8 m=35
